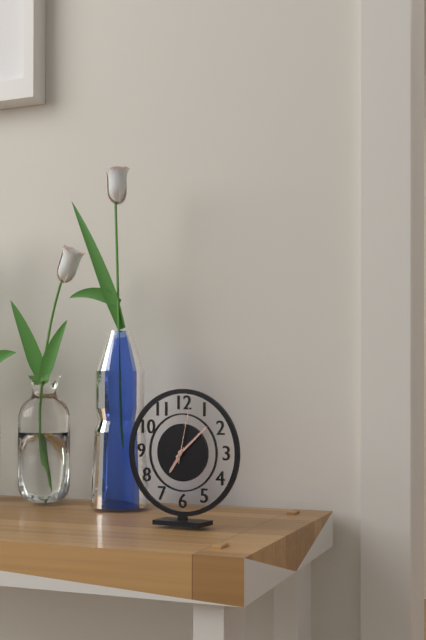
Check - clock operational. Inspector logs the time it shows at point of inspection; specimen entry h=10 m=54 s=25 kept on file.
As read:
h=7 m=8 s=2
